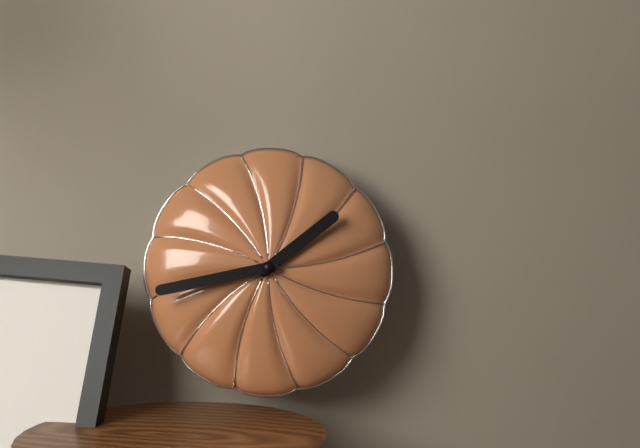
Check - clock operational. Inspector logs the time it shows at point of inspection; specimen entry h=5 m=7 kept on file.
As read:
h=1 m=43
